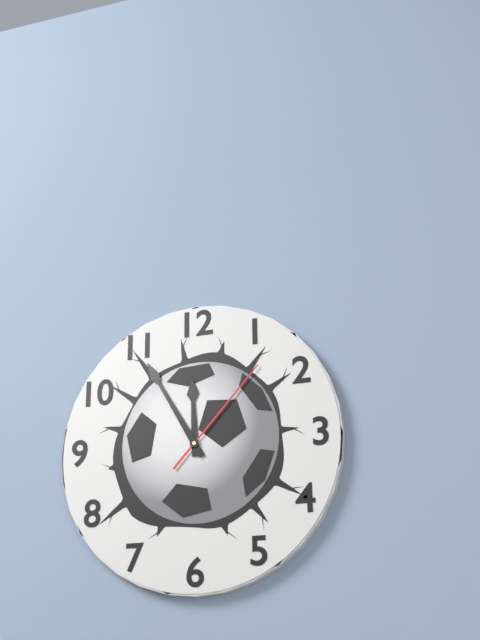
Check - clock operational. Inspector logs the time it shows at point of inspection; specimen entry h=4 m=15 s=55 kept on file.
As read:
h=11 m=55 s=7
